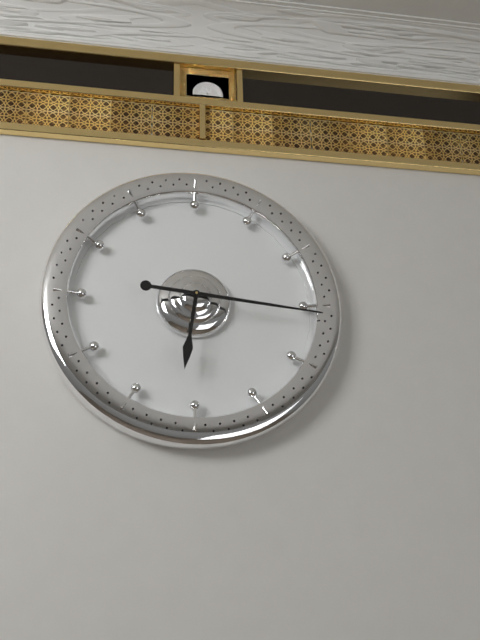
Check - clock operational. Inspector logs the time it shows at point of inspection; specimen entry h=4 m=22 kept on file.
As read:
h=6 m=16
